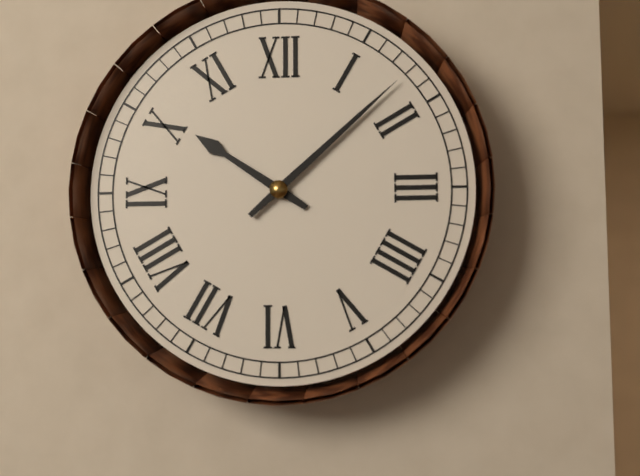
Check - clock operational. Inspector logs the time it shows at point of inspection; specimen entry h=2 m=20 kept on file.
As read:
h=10 m=8
